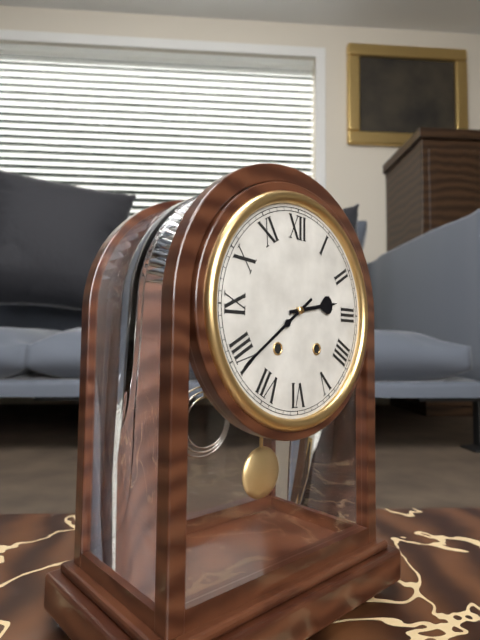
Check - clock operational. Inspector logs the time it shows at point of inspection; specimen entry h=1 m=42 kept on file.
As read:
h=2 m=39
